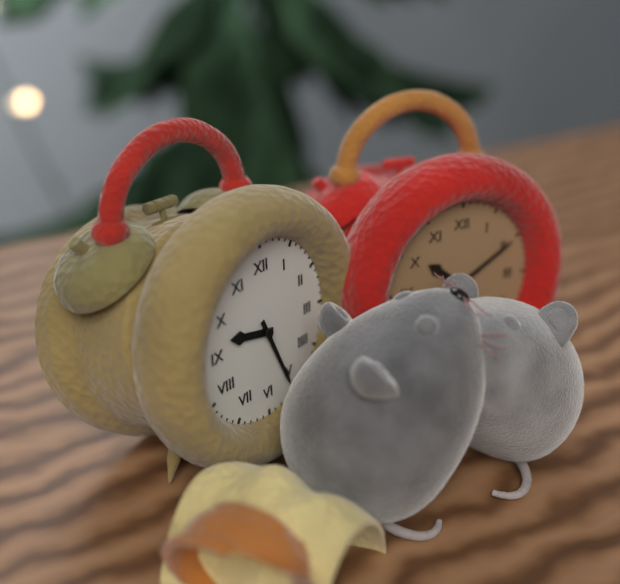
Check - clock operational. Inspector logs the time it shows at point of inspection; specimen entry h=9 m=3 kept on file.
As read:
h=9 m=26
